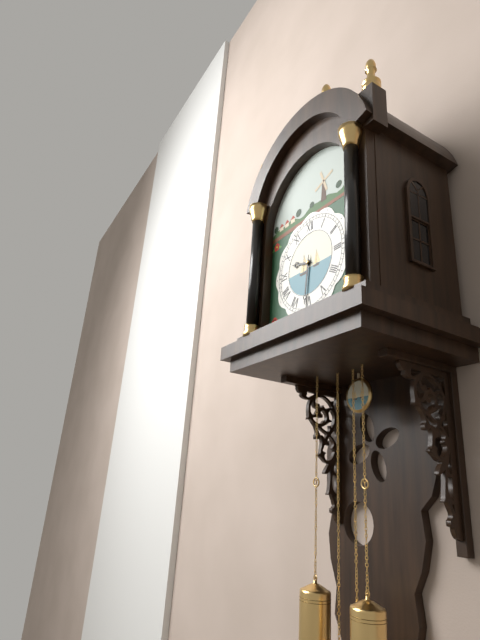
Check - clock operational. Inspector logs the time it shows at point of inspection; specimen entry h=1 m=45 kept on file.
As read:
h=9 m=31
